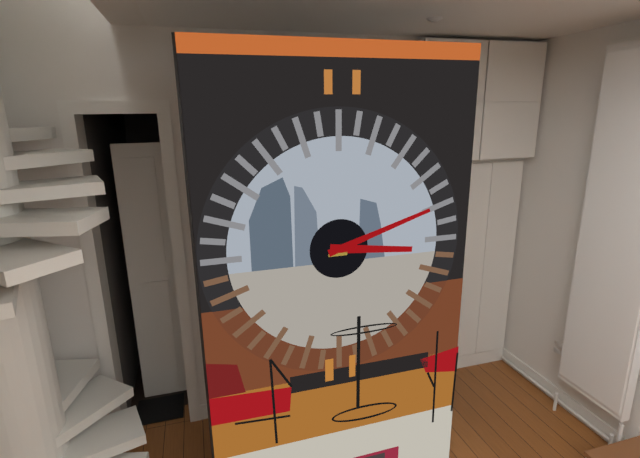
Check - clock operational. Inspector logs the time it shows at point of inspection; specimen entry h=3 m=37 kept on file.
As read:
h=3 m=12
